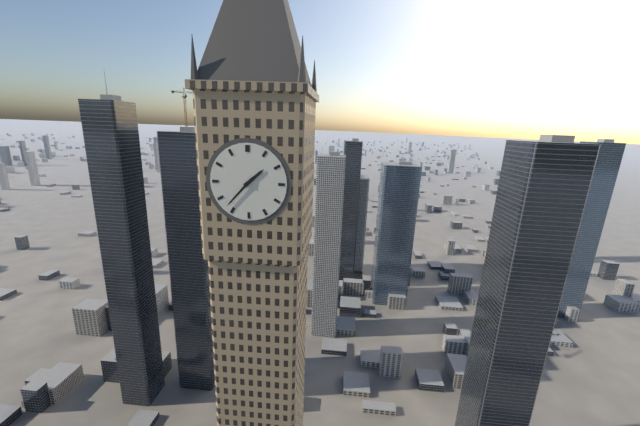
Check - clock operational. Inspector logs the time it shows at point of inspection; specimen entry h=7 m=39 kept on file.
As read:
h=1 m=37
